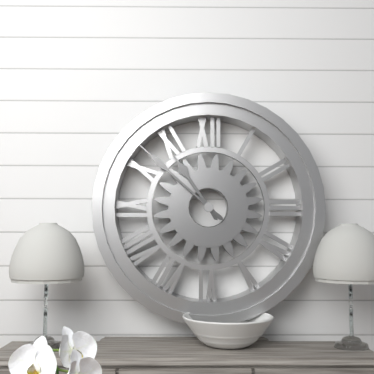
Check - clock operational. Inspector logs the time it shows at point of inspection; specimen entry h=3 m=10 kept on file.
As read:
h=10 m=52
